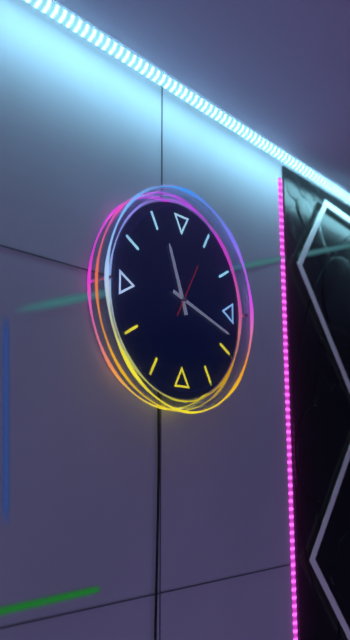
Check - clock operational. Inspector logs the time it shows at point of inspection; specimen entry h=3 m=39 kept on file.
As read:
h=11 m=18
